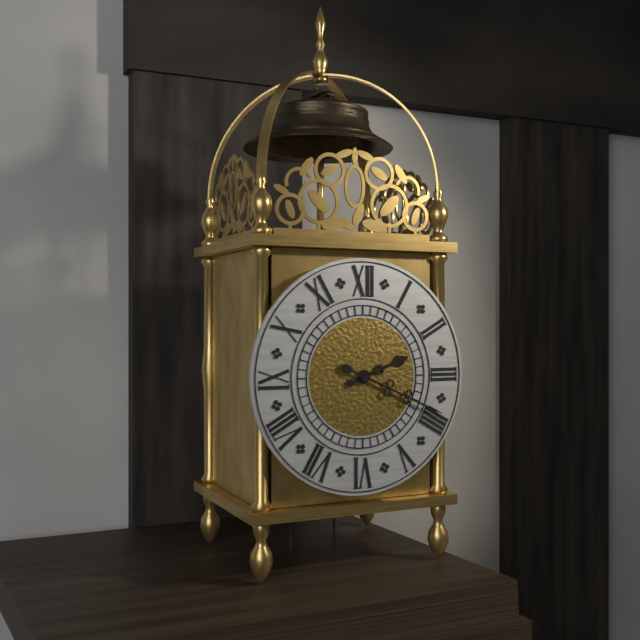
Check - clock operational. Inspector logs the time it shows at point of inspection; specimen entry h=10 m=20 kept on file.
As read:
h=2 m=19
